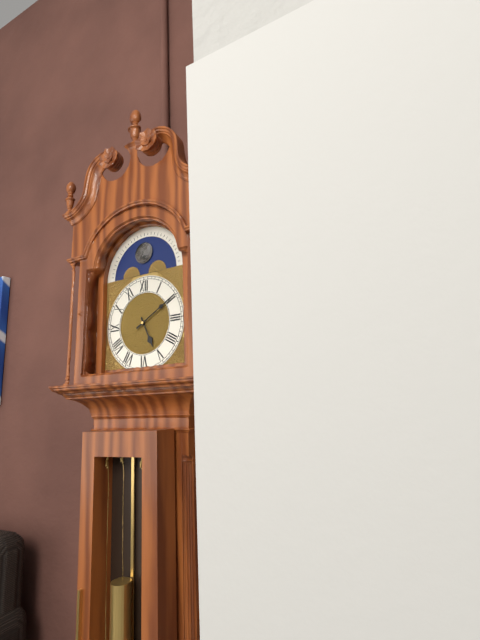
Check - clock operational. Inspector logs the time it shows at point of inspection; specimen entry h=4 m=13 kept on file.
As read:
h=5 m=10
